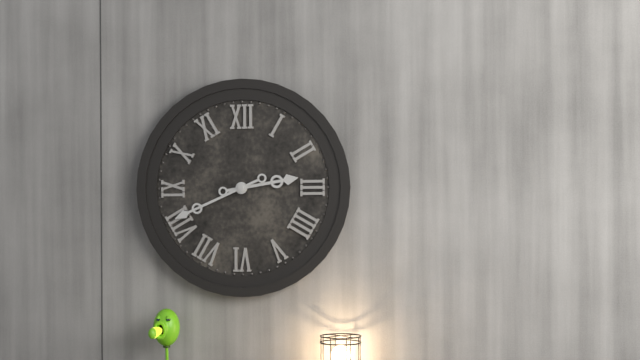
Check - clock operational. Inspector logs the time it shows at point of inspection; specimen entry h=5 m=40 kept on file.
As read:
h=2 m=41
